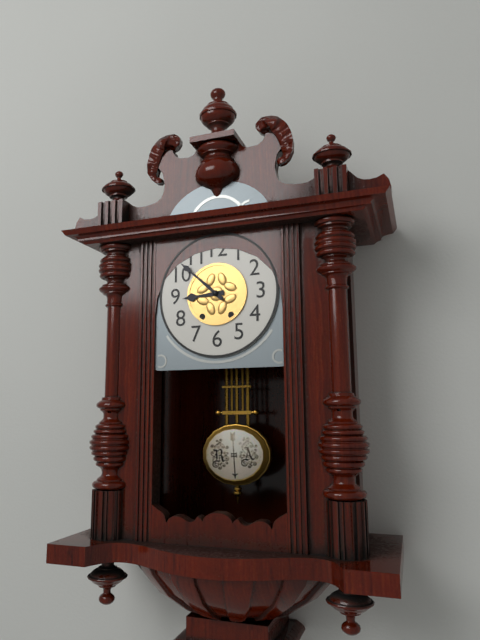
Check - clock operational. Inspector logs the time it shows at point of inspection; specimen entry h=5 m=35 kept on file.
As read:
h=8 m=52
